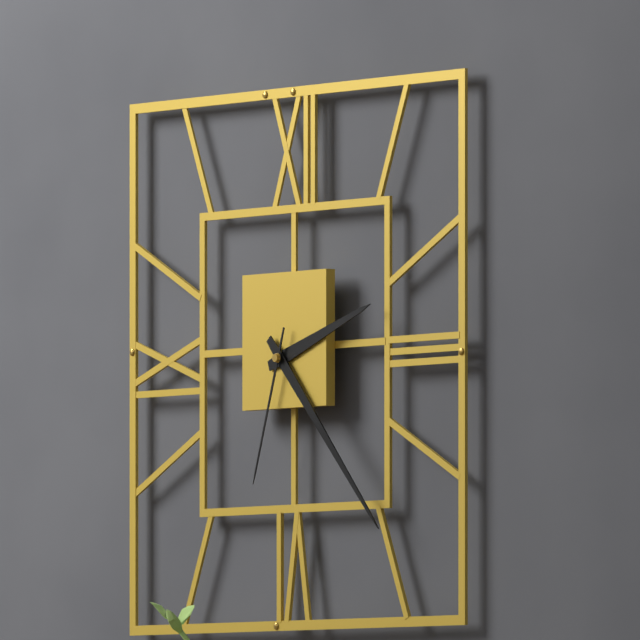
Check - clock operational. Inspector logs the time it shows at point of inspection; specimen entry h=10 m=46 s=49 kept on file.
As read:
h=2 m=23 s=33
